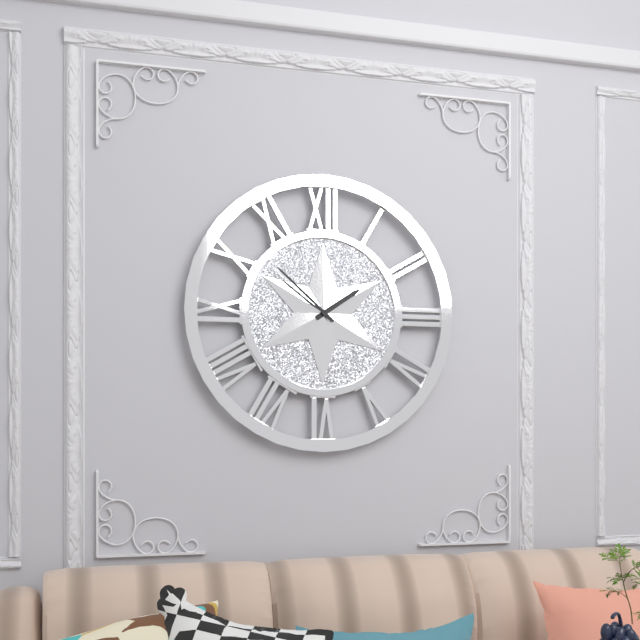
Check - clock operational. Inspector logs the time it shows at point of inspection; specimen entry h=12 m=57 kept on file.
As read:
h=1 m=52
